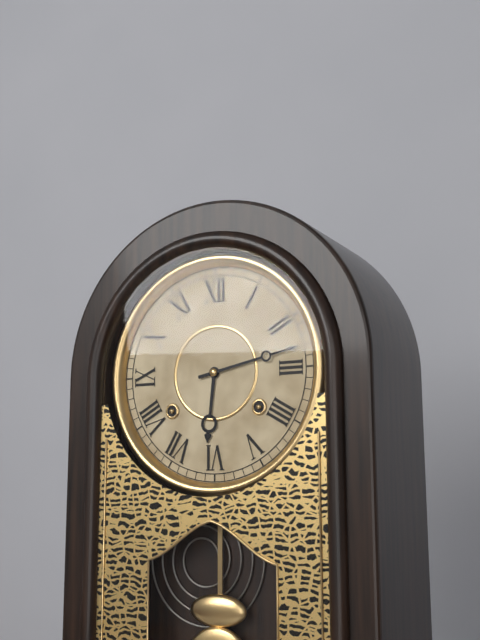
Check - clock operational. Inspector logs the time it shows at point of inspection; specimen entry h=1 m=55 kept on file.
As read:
h=6 m=13
